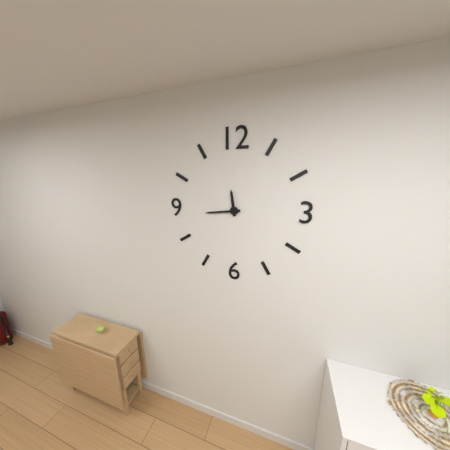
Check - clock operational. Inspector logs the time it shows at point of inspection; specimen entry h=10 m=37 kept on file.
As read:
h=11 m=44
